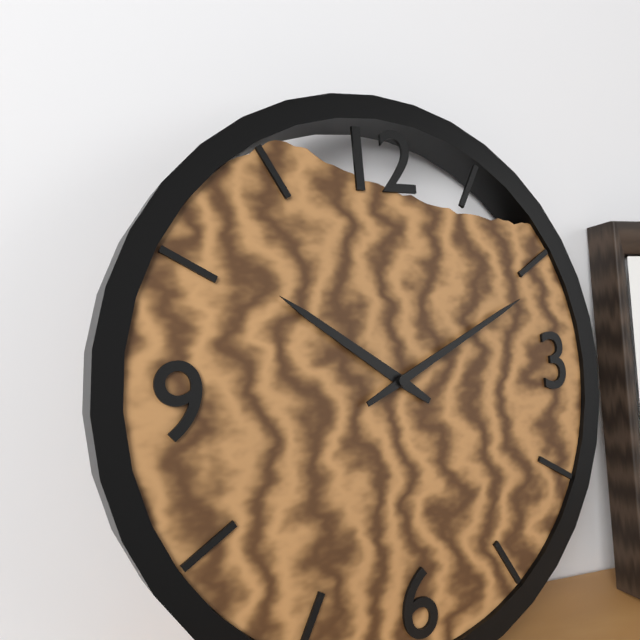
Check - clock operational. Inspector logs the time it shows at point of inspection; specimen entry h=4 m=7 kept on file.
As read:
h=10 m=11
